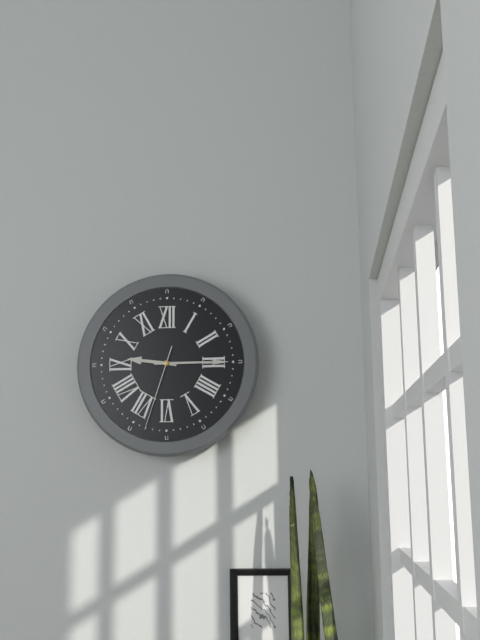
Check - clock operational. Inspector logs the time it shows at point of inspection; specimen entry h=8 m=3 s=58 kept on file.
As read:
h=9 m=15 s=33
